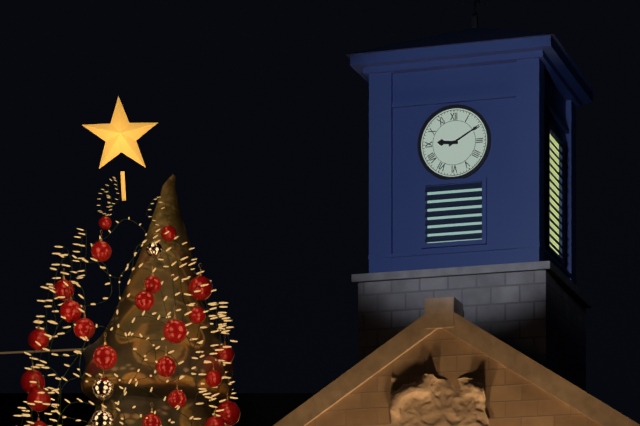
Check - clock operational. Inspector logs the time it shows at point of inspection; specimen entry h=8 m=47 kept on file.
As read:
h=9 m=10
